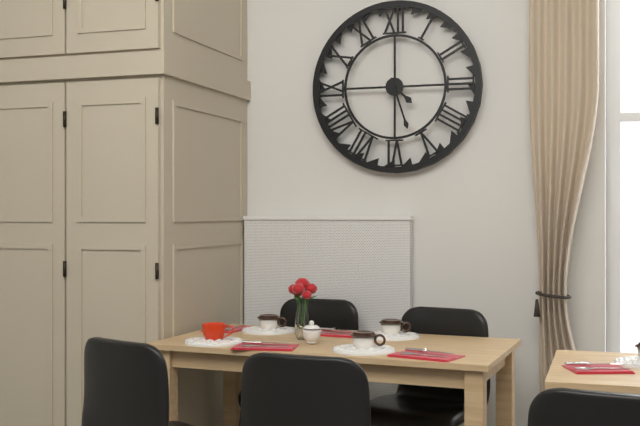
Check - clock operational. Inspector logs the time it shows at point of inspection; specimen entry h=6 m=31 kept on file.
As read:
h=4 m=27
